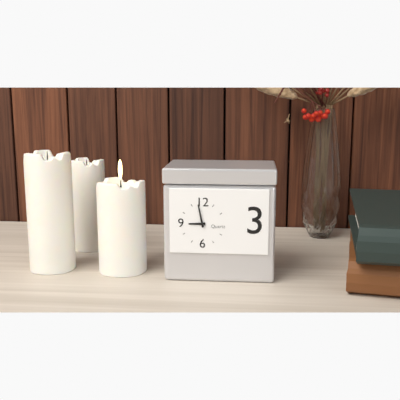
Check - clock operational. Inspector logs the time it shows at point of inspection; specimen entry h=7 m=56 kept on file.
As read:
h=8 m=58
